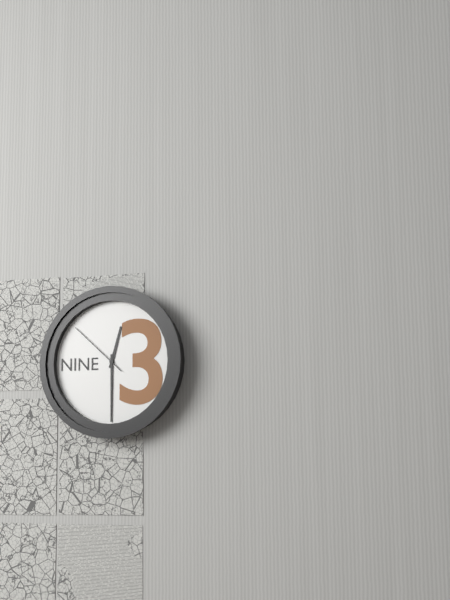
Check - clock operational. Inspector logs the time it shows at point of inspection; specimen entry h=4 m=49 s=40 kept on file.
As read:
h=12 m=30 s=52
